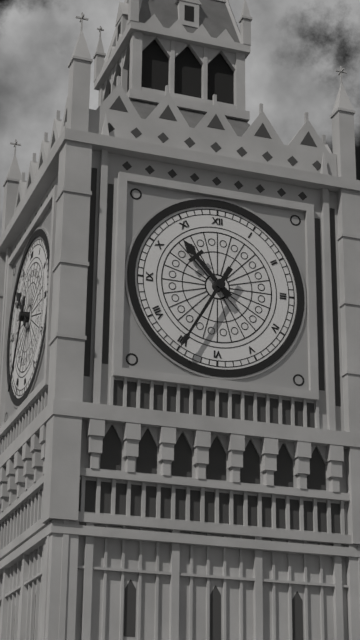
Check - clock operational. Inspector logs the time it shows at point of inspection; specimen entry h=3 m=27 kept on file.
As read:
h=10 m=35
